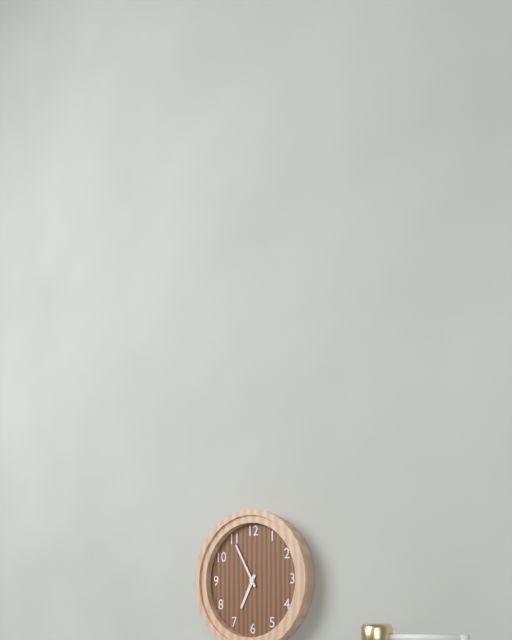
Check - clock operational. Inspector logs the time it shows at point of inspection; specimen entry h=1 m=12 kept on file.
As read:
h=6 m=55
